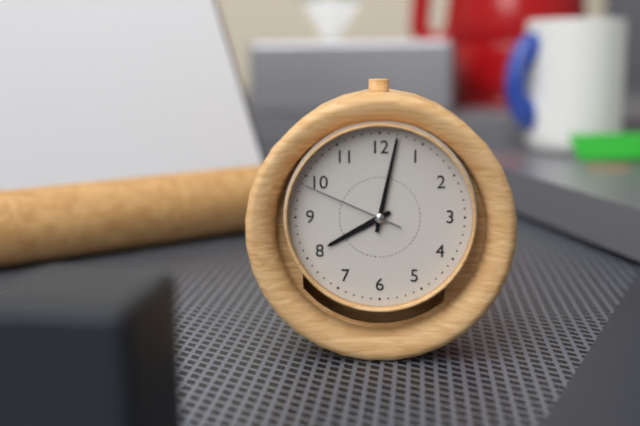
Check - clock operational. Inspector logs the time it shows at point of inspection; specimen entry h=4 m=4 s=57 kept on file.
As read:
h=8 m=2 s=49
